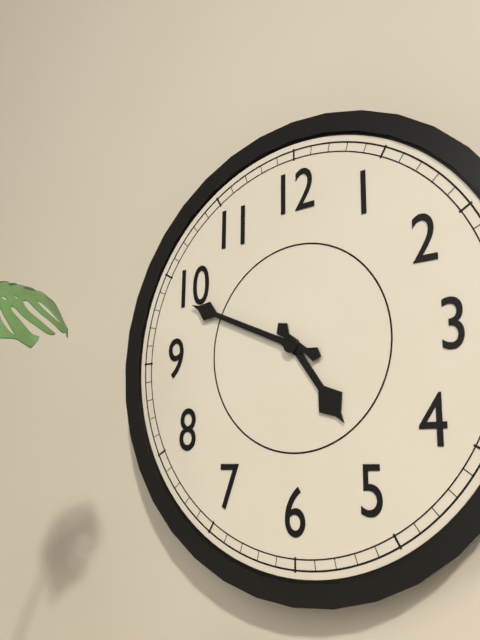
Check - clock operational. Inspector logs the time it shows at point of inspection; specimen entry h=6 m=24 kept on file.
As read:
h=4 m=49
